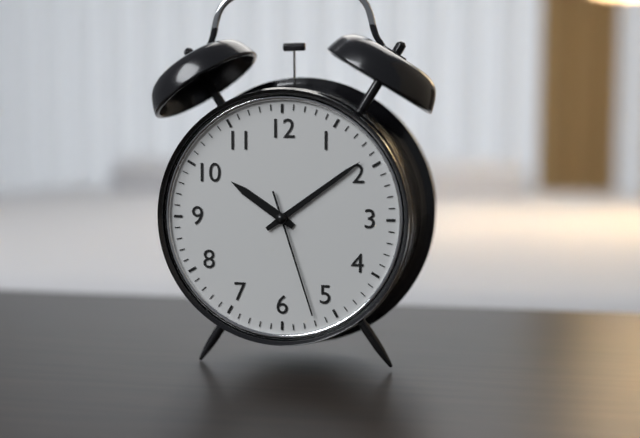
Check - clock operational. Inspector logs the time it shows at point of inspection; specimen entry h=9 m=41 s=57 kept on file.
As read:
h=10 m=9 s=27
